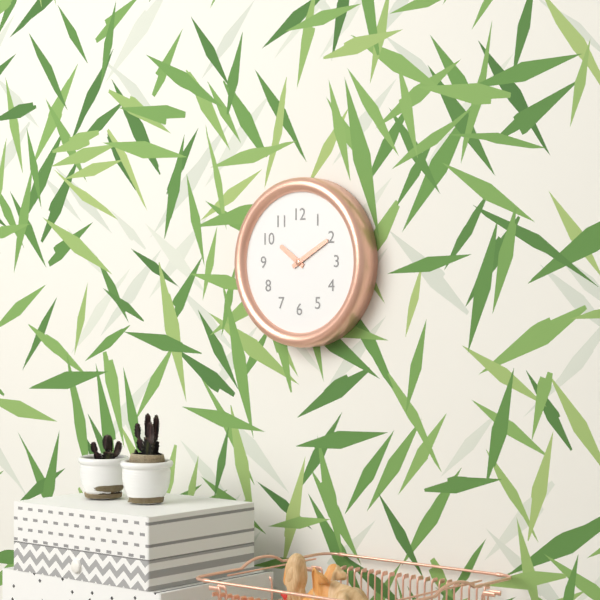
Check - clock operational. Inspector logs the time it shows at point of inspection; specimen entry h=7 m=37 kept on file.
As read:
h=10 m=10
